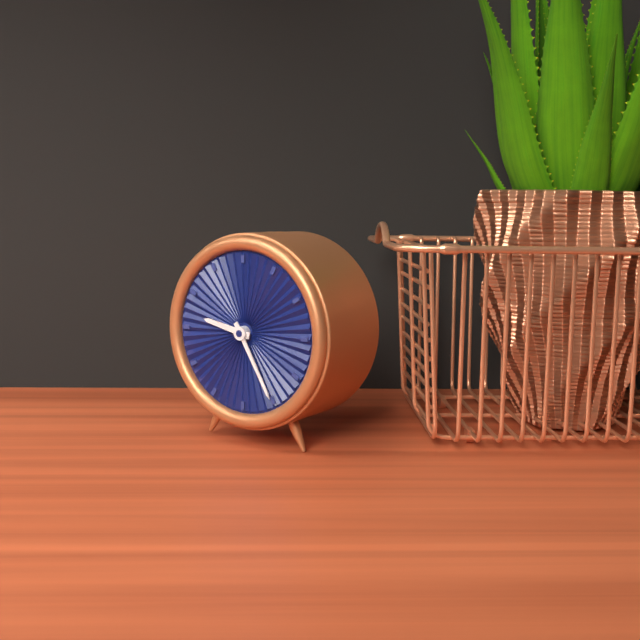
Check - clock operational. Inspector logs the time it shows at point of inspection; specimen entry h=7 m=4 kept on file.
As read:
h=9 m=25
